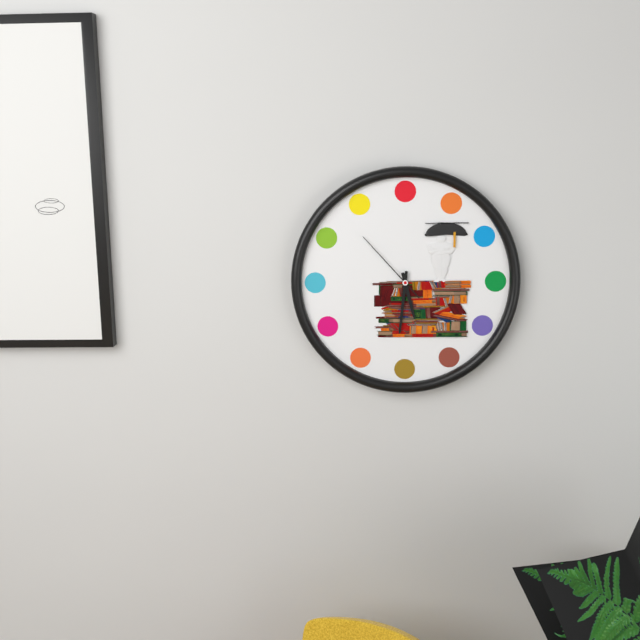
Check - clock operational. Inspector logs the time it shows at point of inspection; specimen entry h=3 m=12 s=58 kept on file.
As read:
h=5 m=31 s=53
